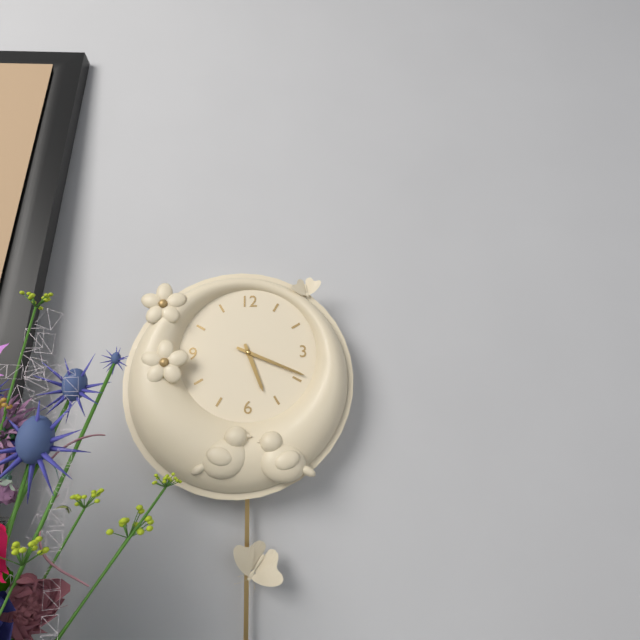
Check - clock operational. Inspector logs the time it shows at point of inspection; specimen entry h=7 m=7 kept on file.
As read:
h=5 m=19
